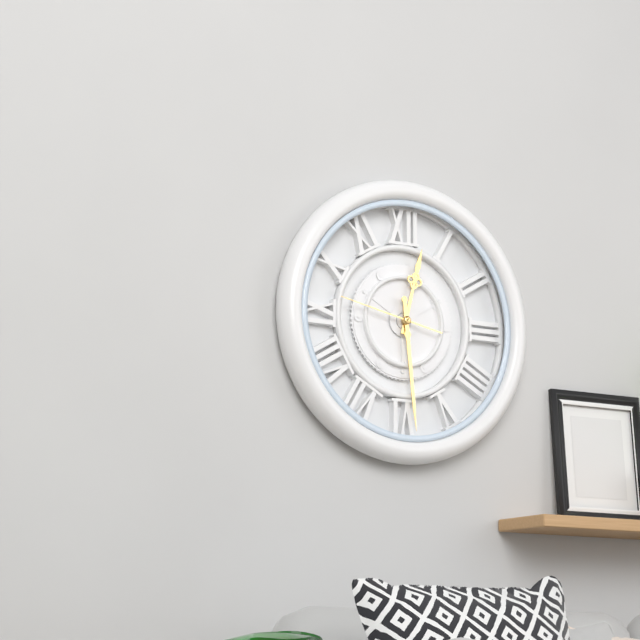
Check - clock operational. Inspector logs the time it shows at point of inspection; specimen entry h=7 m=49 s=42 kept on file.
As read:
h=12 m=29 s=47
